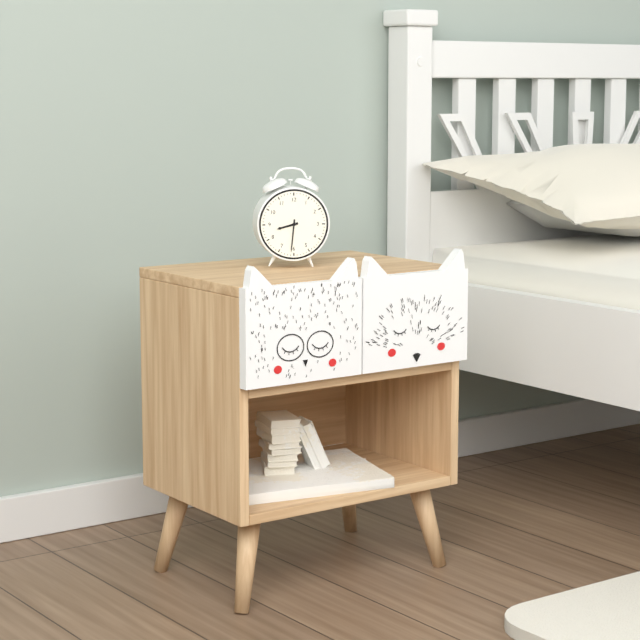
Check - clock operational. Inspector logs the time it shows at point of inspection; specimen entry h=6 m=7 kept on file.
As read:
h=8 m=31
